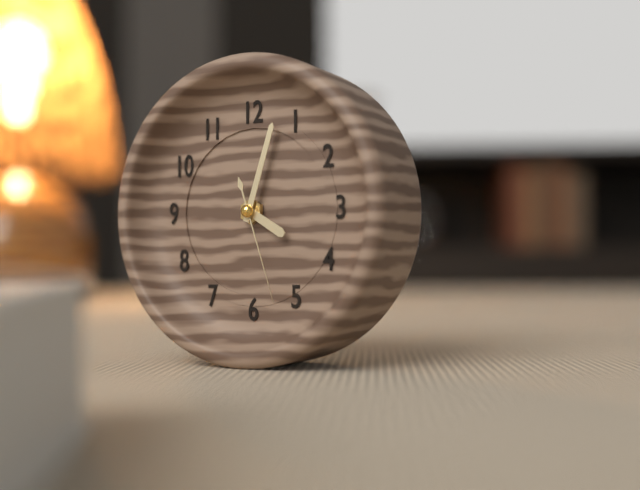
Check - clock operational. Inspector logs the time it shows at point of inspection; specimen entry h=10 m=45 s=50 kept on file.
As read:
h=4 m=3 s=27
